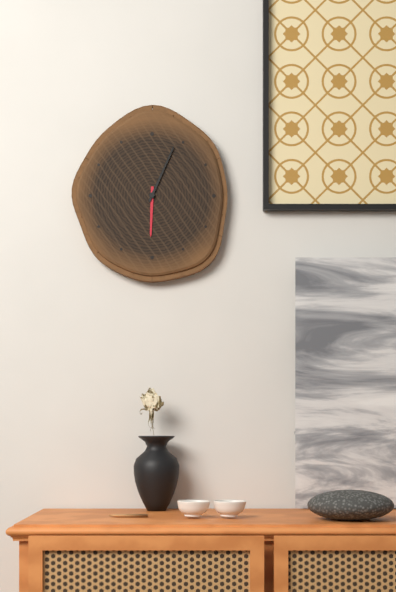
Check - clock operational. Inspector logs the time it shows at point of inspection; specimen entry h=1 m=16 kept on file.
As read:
h=6 m=4
